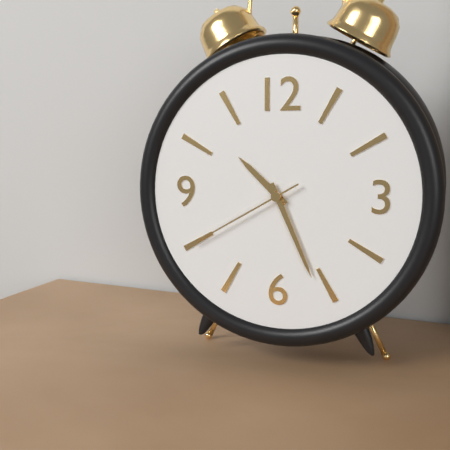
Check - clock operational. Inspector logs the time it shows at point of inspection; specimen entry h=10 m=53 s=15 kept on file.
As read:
h=10 m=26 s=40
